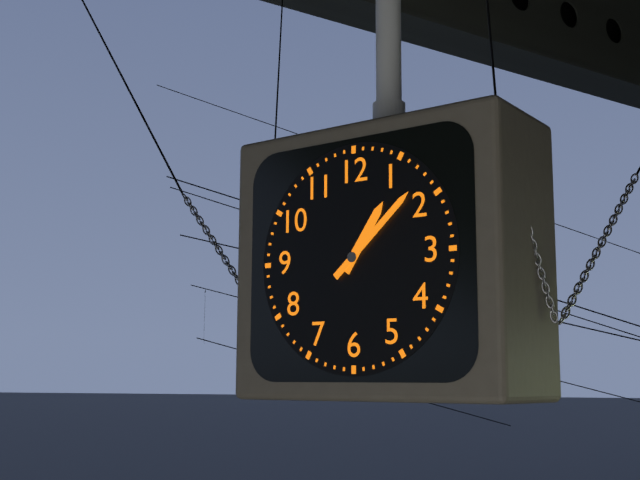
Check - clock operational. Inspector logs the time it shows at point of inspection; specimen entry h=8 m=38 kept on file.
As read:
h=1 m=8
